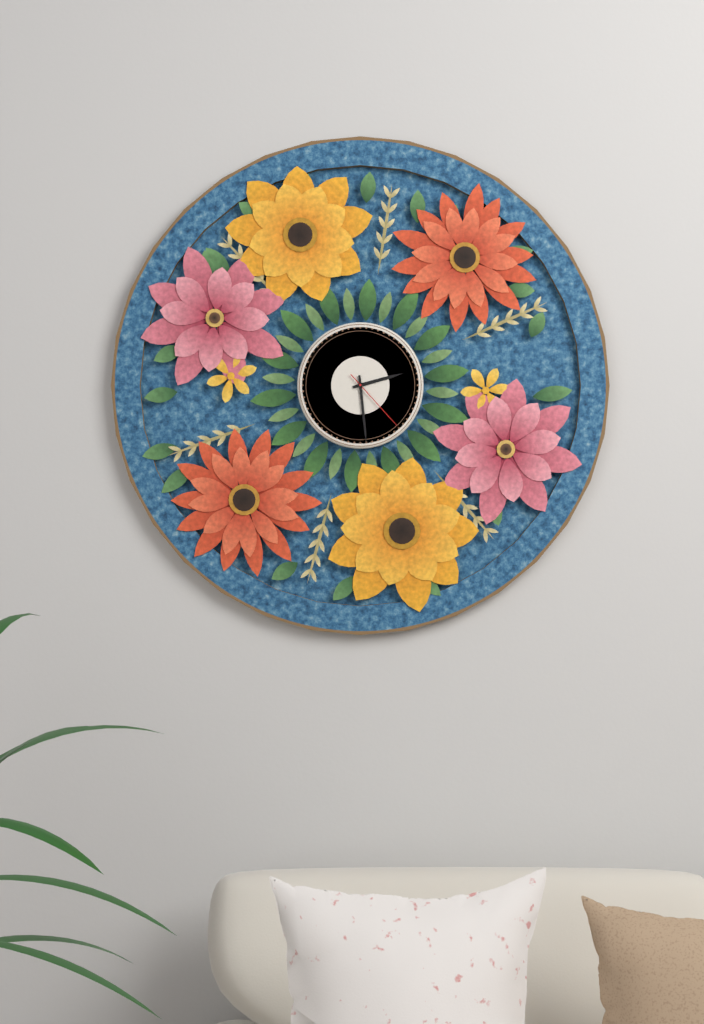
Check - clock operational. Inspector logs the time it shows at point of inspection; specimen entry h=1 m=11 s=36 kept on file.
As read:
h=2 m=29 s=23
